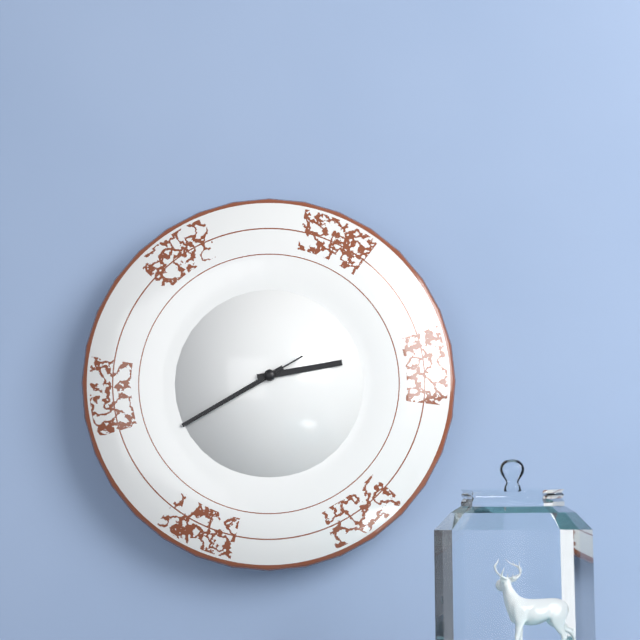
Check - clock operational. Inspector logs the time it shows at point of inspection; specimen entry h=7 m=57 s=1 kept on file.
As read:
h=2 m=40 s=40
